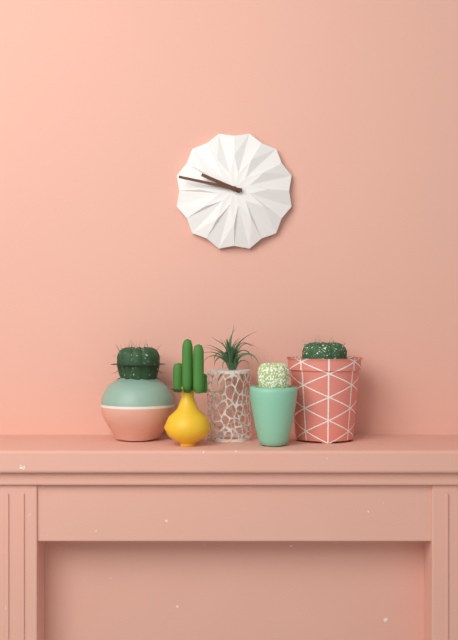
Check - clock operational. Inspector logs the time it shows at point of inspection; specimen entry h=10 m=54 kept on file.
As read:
h=9 m=47
